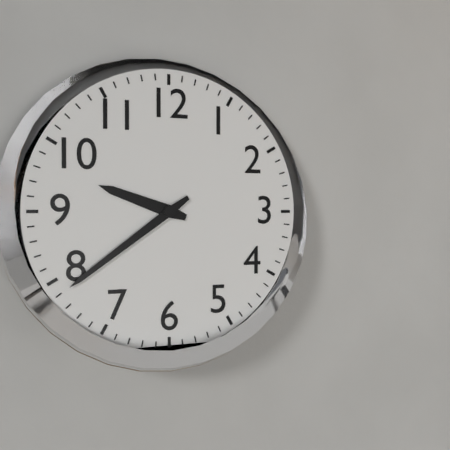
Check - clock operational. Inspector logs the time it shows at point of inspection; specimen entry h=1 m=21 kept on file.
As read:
h=9 m=39
